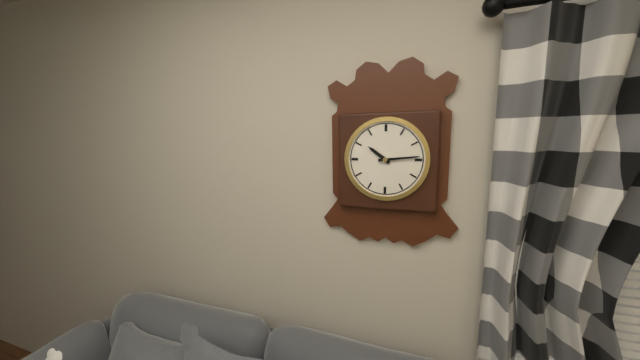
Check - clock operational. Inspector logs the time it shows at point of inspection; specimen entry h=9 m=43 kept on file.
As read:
h=10 m=14
